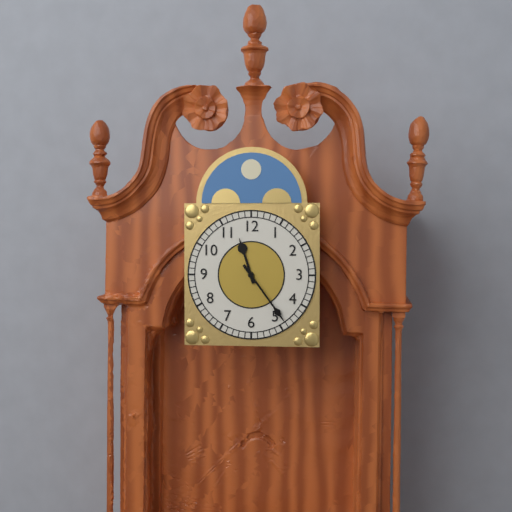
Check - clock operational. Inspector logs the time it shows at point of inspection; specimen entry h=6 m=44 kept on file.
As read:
h=11 m=24
